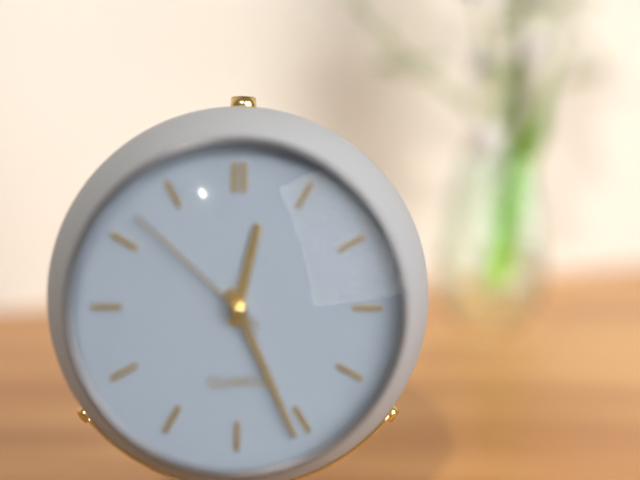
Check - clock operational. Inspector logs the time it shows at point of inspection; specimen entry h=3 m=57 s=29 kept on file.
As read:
h=12 m=26 s=52
